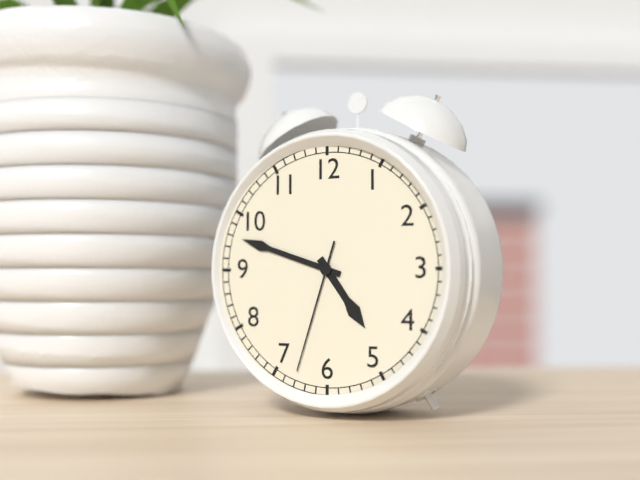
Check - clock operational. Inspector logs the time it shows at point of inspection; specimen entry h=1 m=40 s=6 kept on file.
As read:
h=4 m=48 s=33
